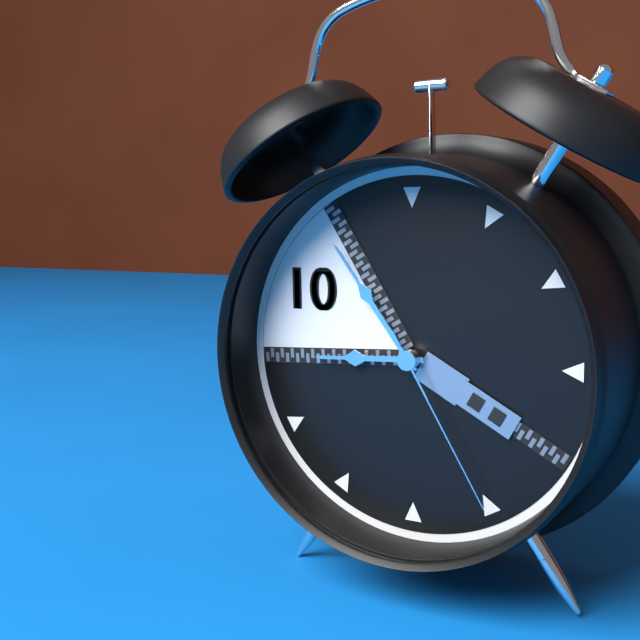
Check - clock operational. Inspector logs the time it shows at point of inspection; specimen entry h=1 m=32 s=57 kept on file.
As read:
h=8 m=54 s=25
